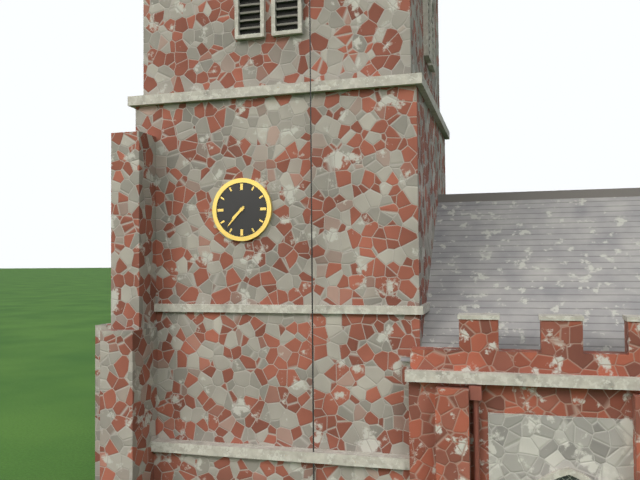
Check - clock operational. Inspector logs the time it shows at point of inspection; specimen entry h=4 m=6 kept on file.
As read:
h=7 m=37
